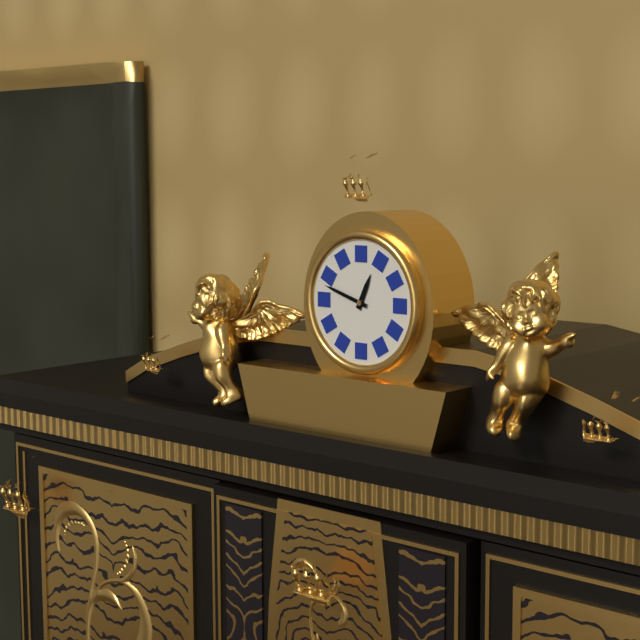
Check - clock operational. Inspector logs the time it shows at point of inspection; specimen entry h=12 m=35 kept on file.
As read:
h=12 m=48
